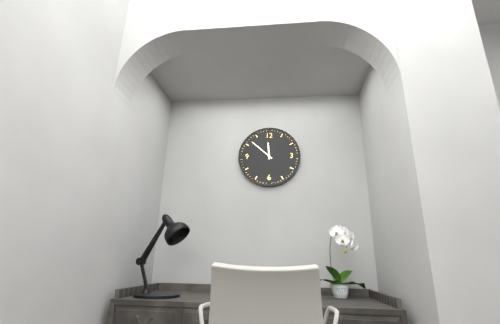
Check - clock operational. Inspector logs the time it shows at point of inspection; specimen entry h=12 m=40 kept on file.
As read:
h=11 m=52
